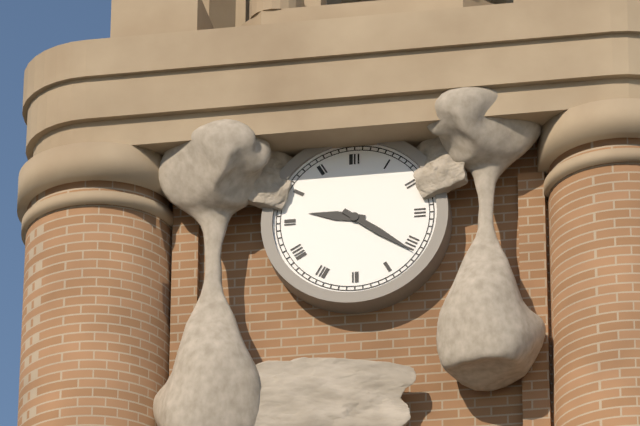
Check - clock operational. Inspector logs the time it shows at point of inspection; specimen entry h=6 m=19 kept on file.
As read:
h=9 m=21
